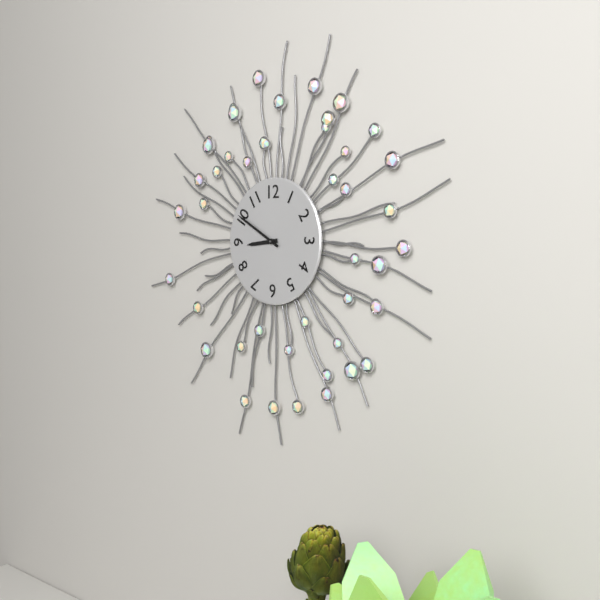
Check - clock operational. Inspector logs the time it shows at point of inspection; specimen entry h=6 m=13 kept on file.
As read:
h=8 m=50
